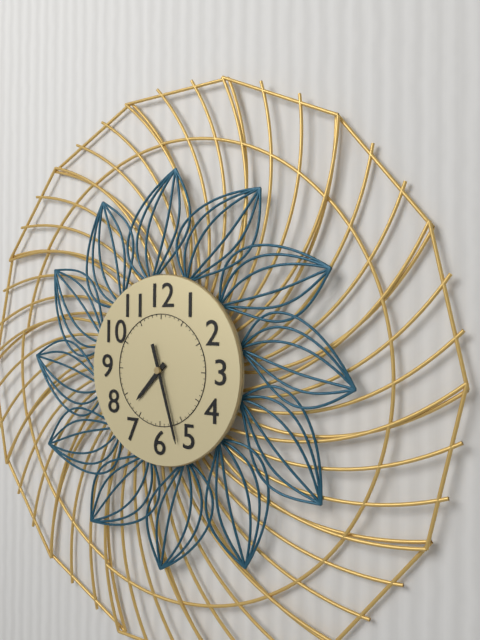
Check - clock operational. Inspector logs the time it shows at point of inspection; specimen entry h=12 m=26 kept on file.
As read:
h=7 m=27
